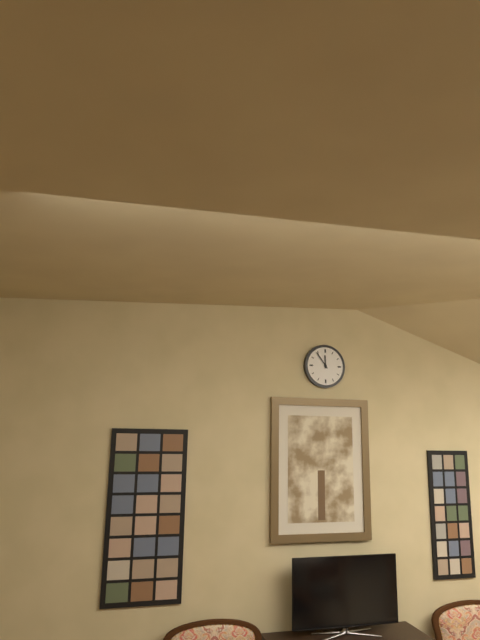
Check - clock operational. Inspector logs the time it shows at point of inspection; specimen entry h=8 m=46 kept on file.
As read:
h=11 m=54
